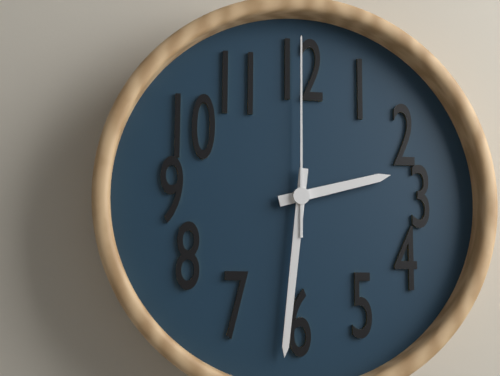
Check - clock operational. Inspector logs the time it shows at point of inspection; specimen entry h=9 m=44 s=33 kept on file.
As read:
h=2 m=31 s=0
